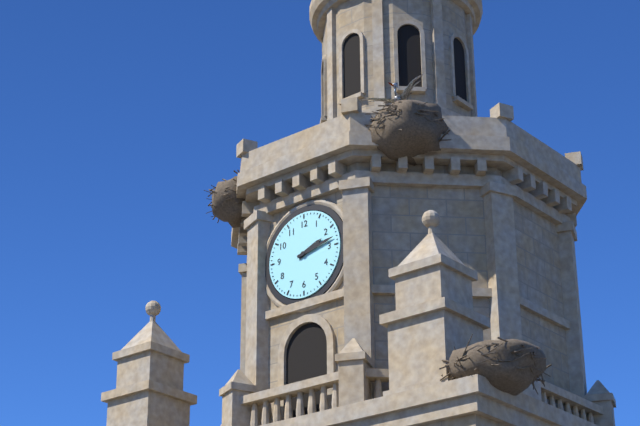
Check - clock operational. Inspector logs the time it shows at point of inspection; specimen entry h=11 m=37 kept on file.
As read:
h=2 m=13
